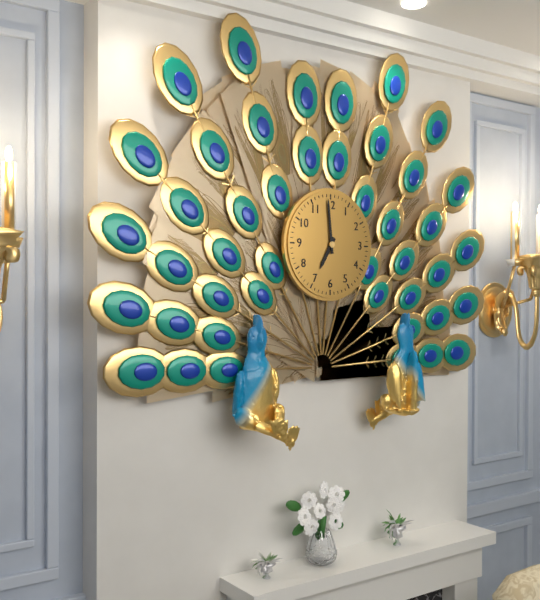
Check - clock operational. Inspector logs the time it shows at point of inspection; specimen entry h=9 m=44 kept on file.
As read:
h=6 m=59
